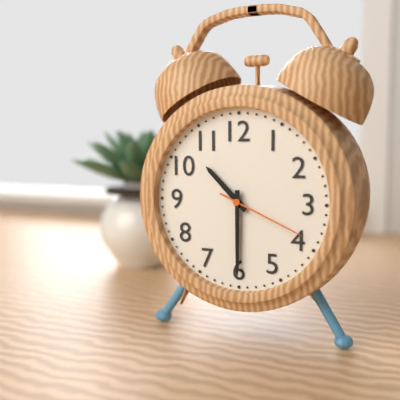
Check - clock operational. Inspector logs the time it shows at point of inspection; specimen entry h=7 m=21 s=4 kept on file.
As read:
h=10 m=30 s=19
